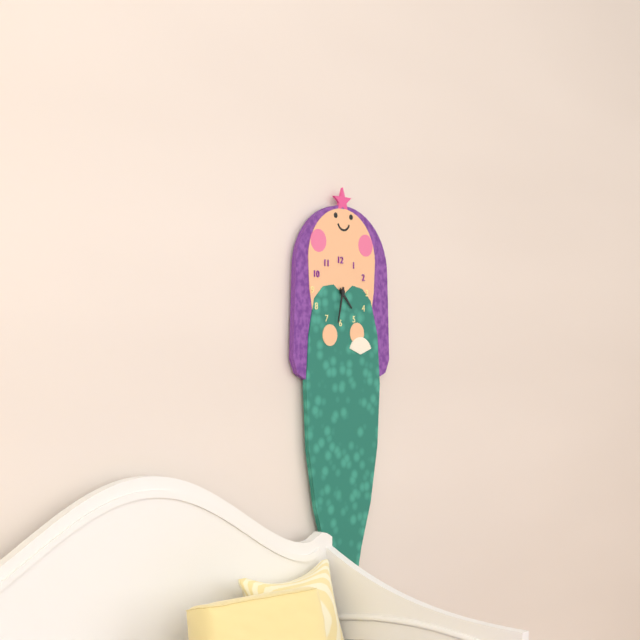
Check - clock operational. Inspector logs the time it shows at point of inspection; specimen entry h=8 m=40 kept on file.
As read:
h=4 m=32
